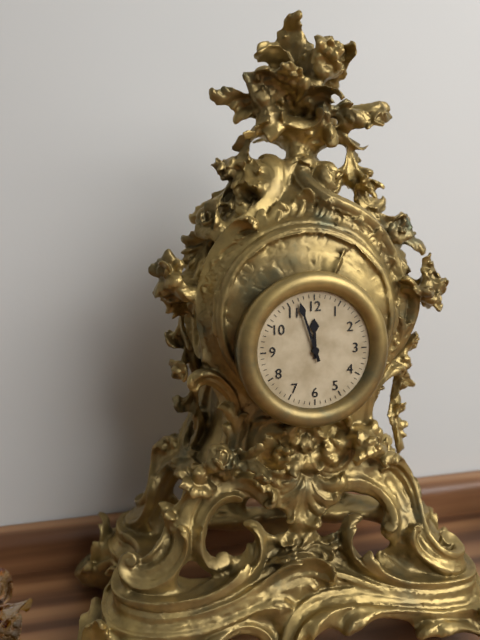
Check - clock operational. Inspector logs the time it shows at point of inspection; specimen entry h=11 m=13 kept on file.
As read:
h=11 m=57
